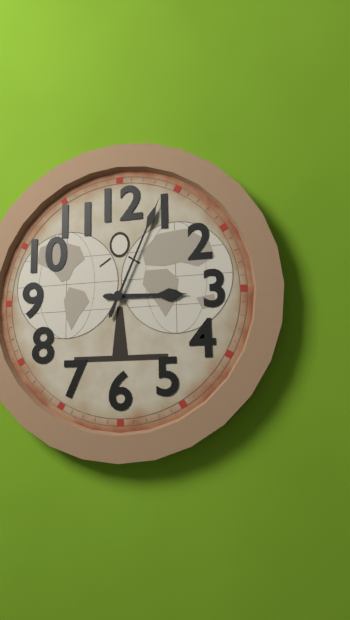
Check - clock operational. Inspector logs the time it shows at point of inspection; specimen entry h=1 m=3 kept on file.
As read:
h=3 m=4
